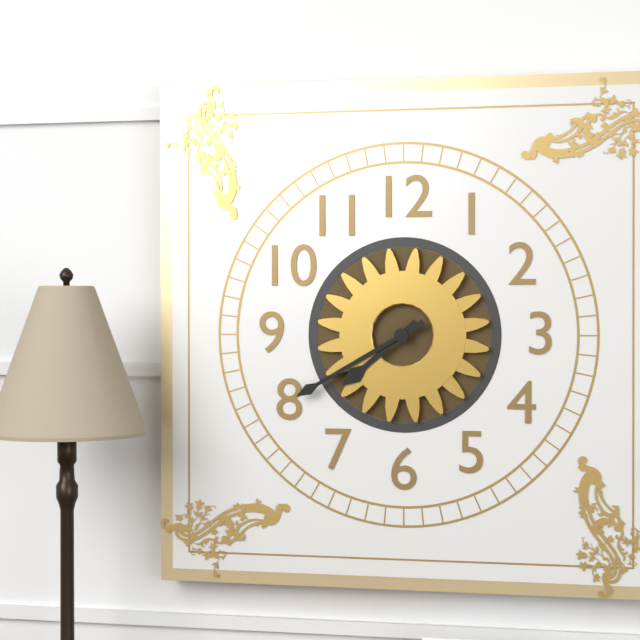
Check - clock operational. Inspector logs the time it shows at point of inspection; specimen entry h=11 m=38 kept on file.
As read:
h=7 m=40
